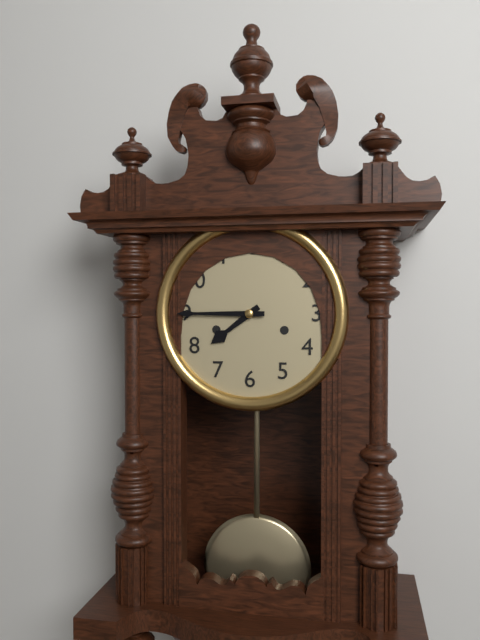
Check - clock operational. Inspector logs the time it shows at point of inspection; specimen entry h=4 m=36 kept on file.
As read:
h=7 m=45
